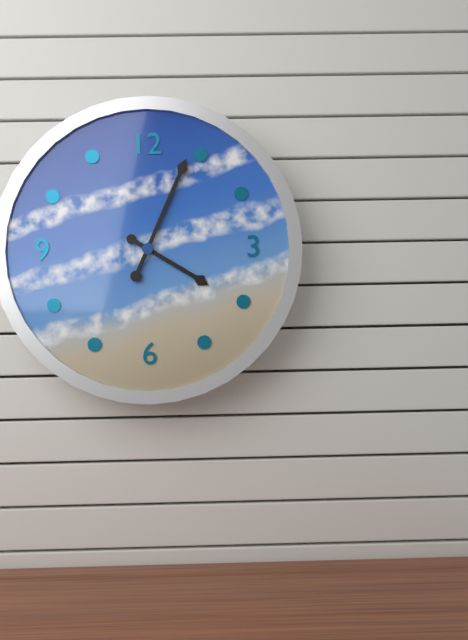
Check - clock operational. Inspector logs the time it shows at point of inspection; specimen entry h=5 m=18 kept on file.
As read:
h=4 m=4
